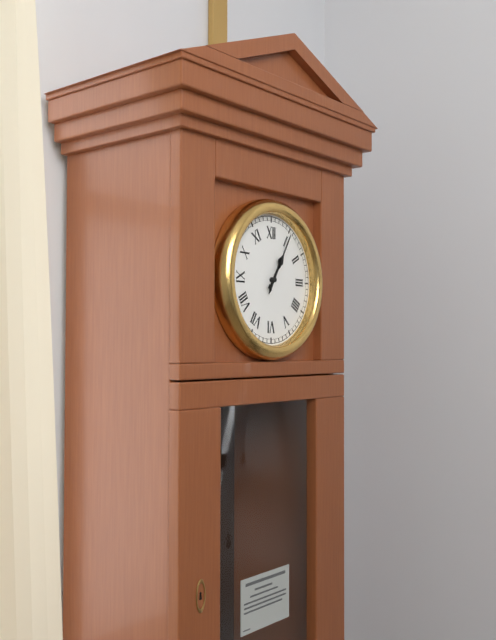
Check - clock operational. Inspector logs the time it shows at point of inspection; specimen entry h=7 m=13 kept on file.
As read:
h=1 m=5
